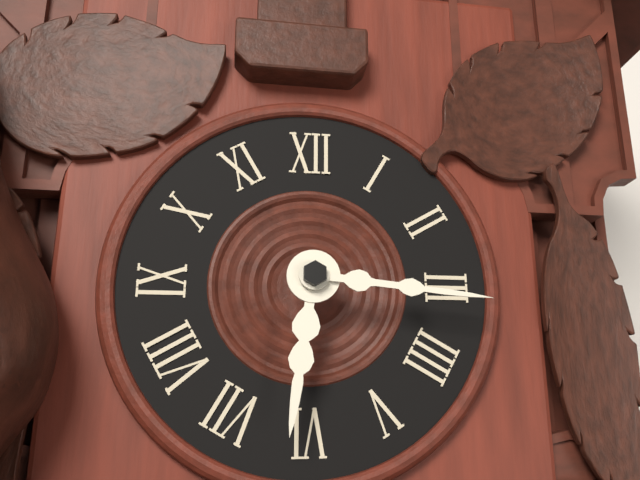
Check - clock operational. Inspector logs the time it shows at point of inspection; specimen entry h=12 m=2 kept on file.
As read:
h=6 m=16
